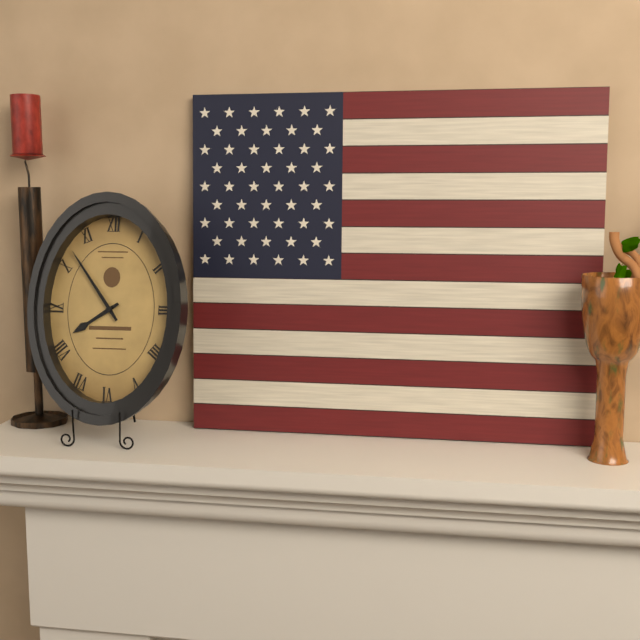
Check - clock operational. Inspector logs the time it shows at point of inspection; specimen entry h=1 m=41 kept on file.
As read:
h=7 m=54
